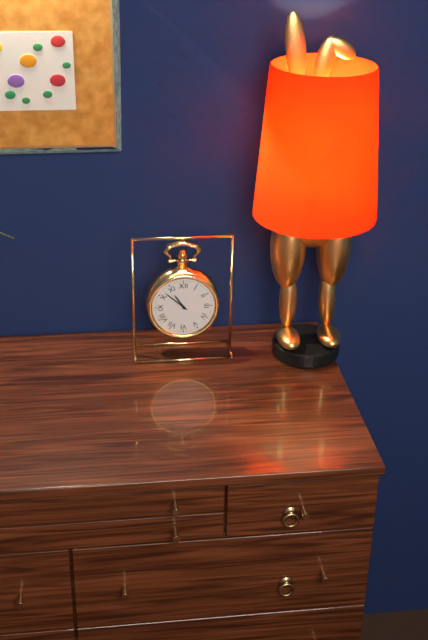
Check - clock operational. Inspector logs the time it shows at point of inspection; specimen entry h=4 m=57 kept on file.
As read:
h=10 m=52
